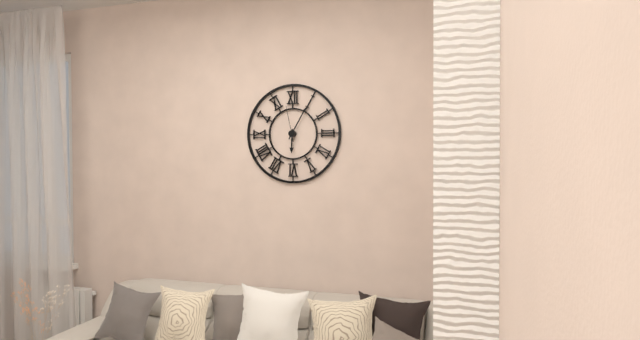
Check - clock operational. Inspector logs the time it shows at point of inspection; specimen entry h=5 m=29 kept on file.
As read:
h=6 m=5
